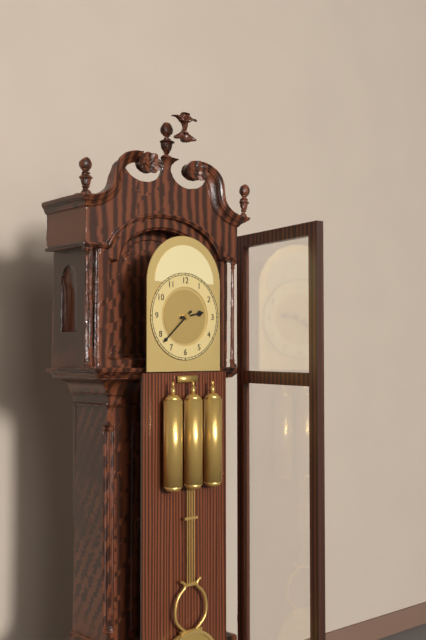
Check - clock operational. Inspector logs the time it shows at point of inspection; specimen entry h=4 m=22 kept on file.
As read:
h=2 m=38
